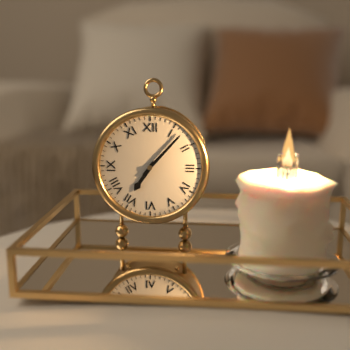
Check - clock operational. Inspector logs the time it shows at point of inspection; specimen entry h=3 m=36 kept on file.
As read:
h=7 m=7
